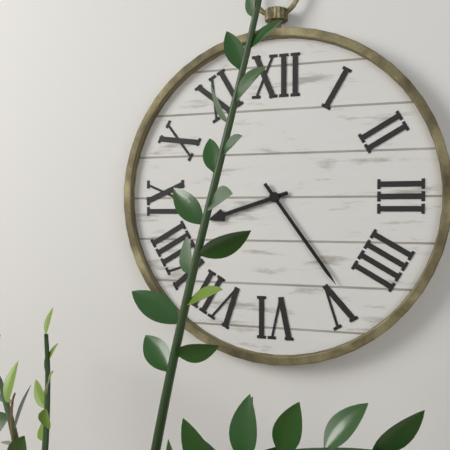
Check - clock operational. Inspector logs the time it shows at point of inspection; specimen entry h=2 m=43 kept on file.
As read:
h=8 m=24
